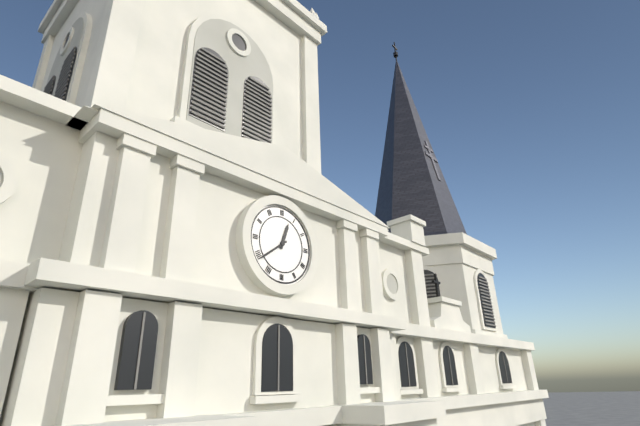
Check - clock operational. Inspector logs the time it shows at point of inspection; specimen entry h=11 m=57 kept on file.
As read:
h=12 m=39
